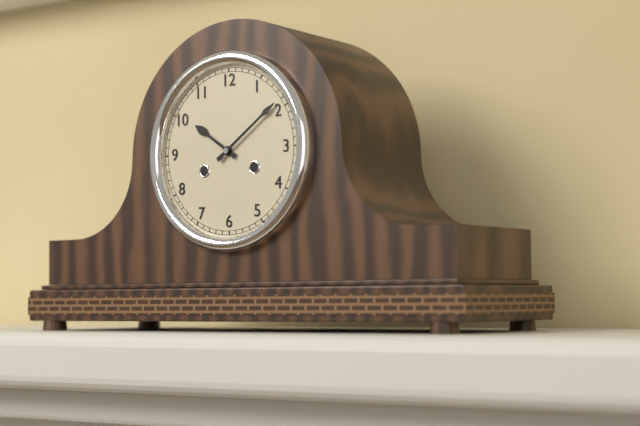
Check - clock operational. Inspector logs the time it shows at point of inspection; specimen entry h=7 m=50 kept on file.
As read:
h=10 m=9
